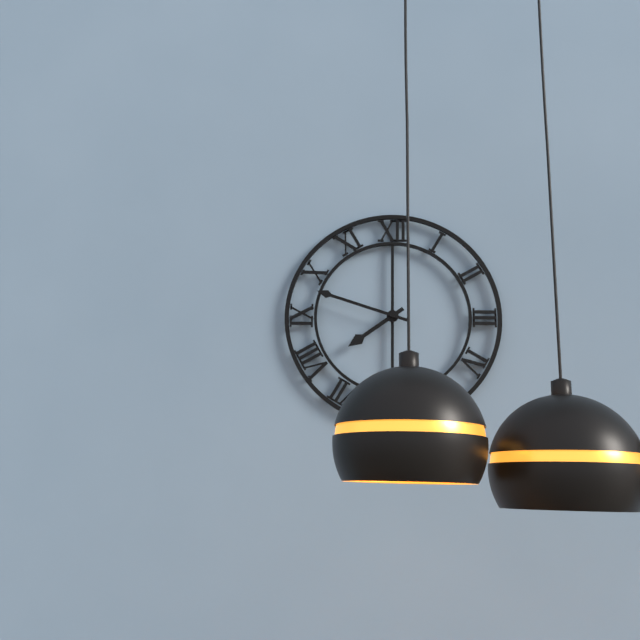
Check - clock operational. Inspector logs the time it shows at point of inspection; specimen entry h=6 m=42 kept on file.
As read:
h=7 m=48
